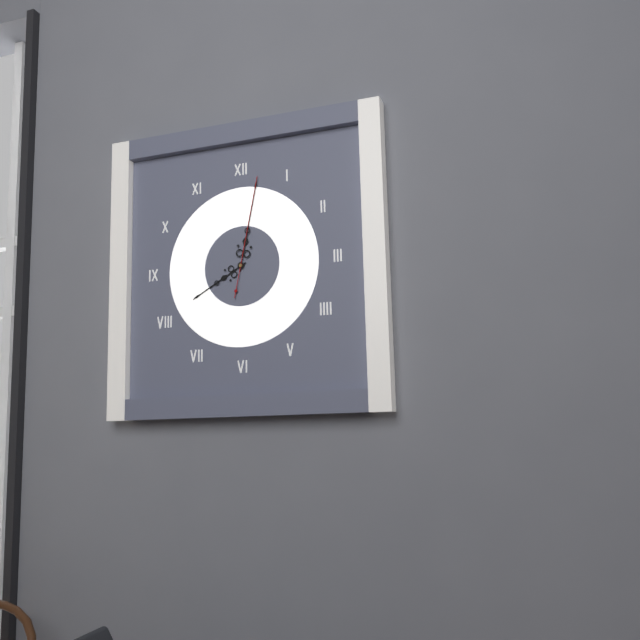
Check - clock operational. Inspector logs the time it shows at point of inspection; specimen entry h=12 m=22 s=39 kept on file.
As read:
h=8 m=2 s=2
